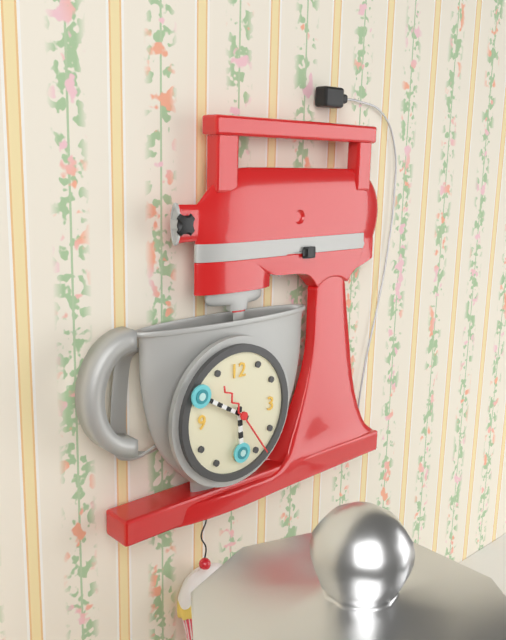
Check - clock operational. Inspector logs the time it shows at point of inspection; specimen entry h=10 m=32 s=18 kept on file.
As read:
h=5 m=50 s=24
